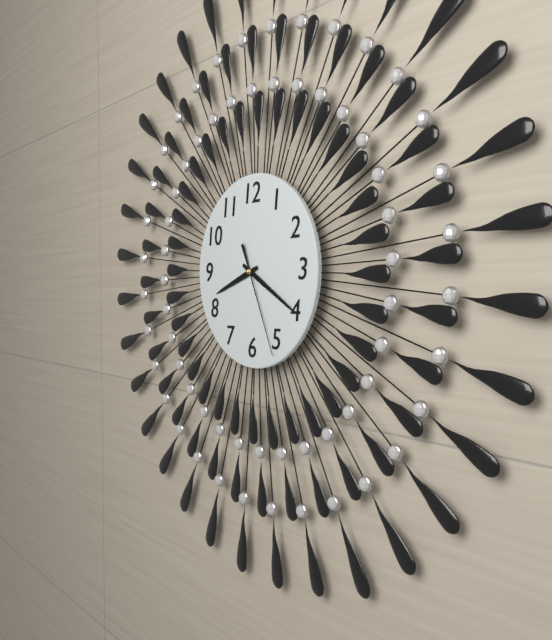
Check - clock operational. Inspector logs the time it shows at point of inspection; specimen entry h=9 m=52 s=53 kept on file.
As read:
h=8 m=20 s=26
